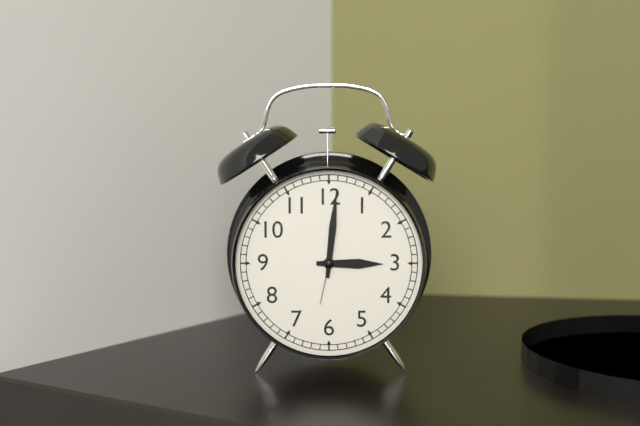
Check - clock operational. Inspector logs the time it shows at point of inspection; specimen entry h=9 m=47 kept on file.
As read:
h=3 m=1
